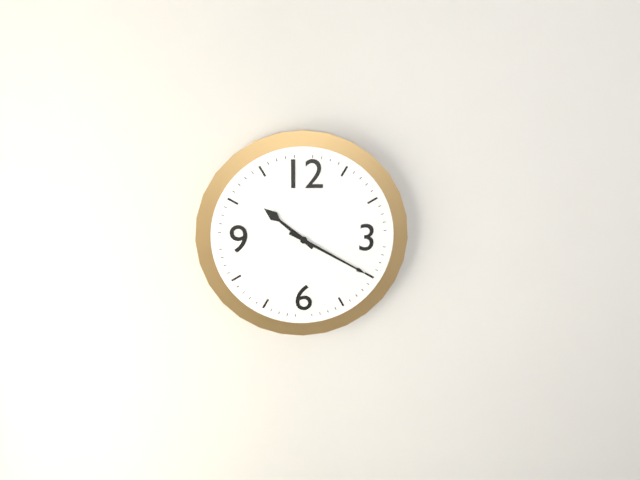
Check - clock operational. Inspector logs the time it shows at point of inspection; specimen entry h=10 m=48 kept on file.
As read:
h=10 m=20
